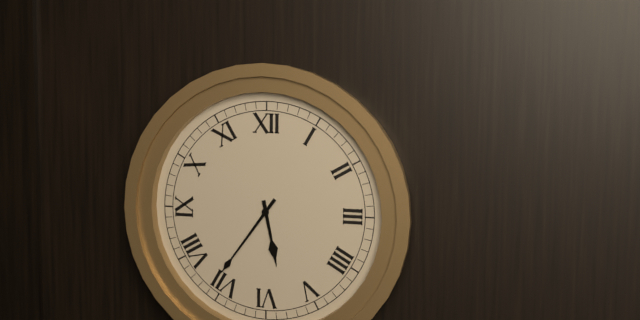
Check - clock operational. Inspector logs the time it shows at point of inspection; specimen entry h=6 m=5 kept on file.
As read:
h=5 m=36
